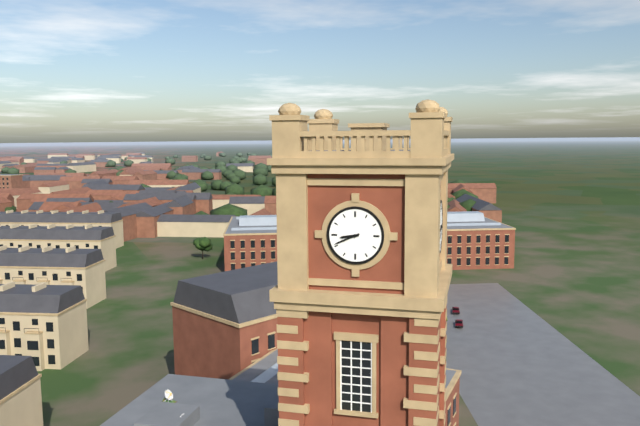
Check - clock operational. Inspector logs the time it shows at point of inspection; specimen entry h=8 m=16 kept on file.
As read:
h=8 m=41
